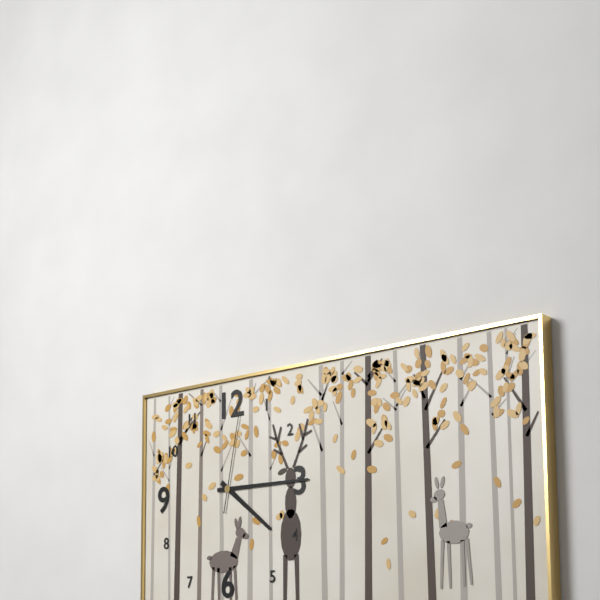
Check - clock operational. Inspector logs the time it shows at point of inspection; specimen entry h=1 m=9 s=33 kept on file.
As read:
h=4 m=15 s=2
